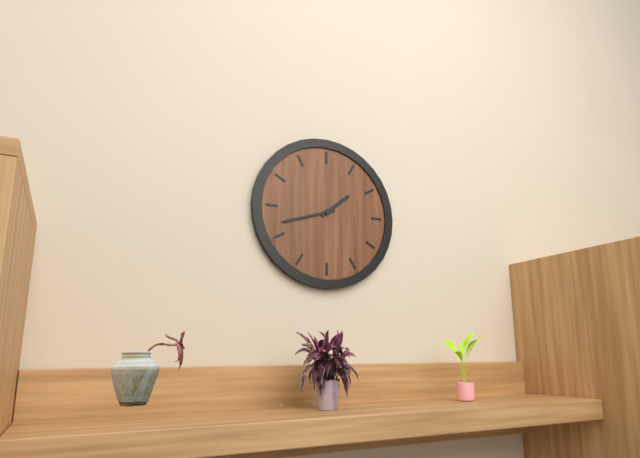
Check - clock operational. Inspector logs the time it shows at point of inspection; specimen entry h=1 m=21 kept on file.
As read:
h=1 m=42
